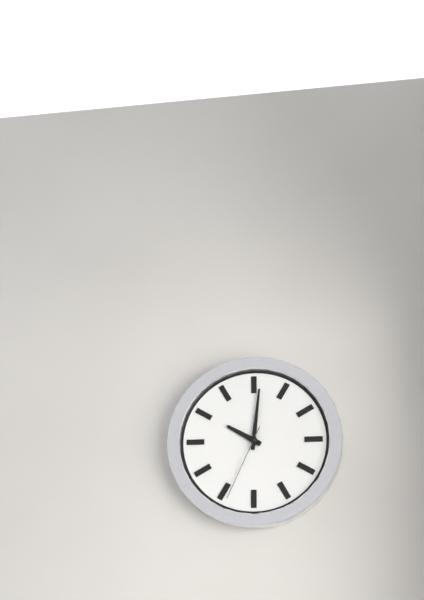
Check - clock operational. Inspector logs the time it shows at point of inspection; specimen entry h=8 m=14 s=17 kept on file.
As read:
h=10 m=1 s=34
